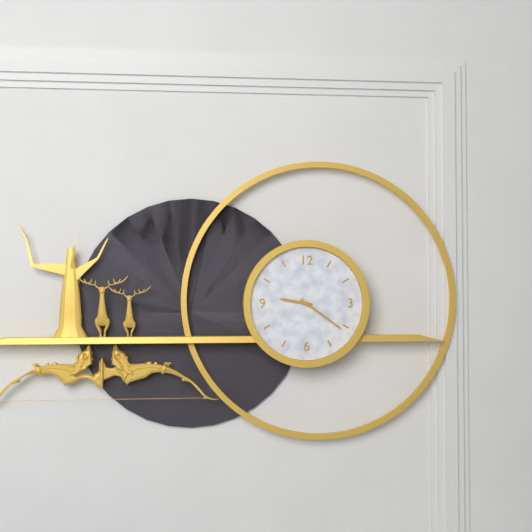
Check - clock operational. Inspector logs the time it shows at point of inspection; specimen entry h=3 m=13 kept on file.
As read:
h=9 m=21
